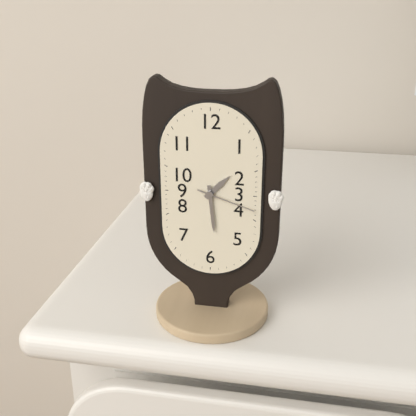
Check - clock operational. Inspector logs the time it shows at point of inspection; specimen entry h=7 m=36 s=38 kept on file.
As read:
h=1 m=29 s=18
